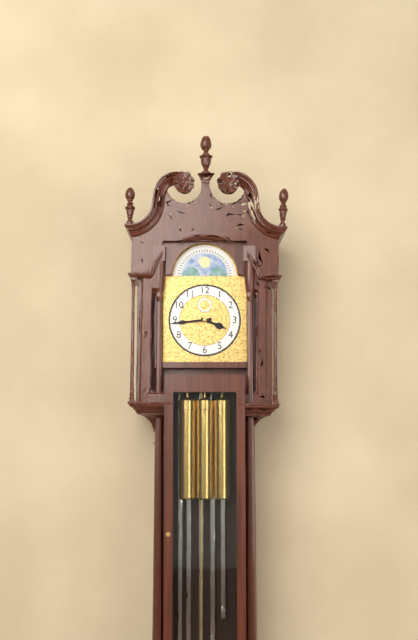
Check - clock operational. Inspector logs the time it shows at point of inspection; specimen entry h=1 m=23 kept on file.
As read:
h=3 m=44
